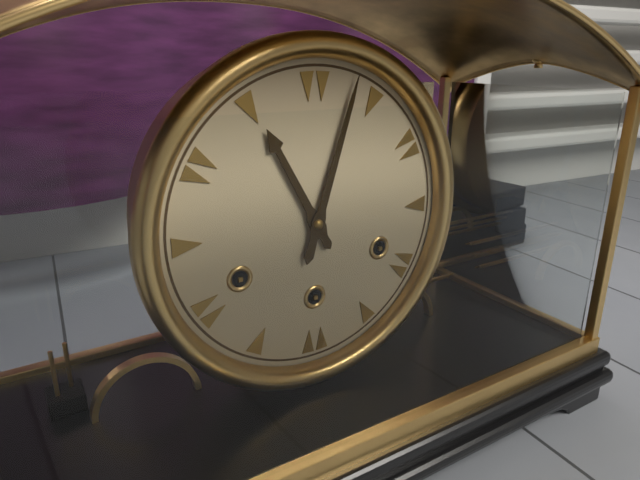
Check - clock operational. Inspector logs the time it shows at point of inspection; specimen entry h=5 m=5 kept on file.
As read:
h=11 m=3
